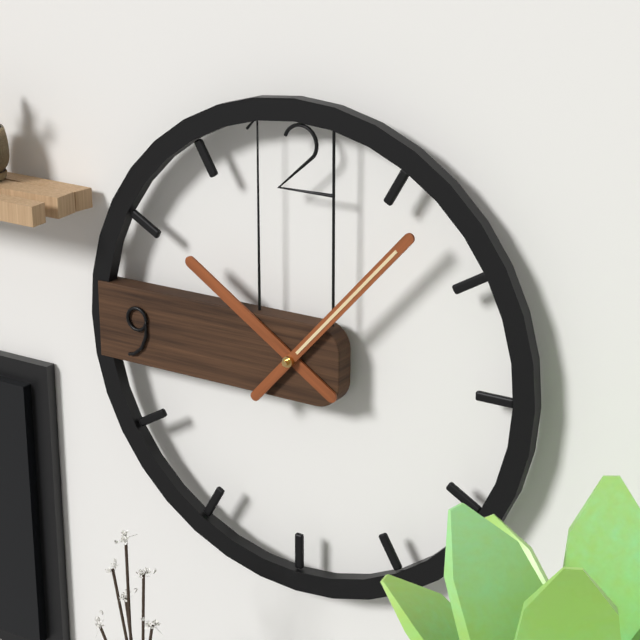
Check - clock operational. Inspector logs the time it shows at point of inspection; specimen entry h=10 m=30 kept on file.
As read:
h=10 m=7
